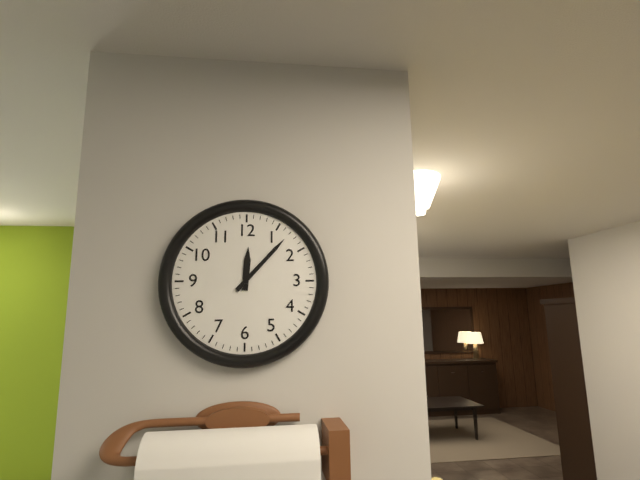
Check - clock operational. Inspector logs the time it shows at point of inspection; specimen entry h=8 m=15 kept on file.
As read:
h=12 m=7
